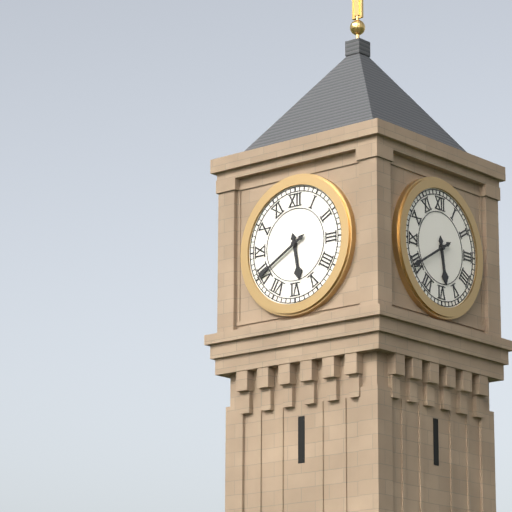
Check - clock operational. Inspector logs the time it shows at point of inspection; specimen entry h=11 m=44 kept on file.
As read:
h=5 m=40
